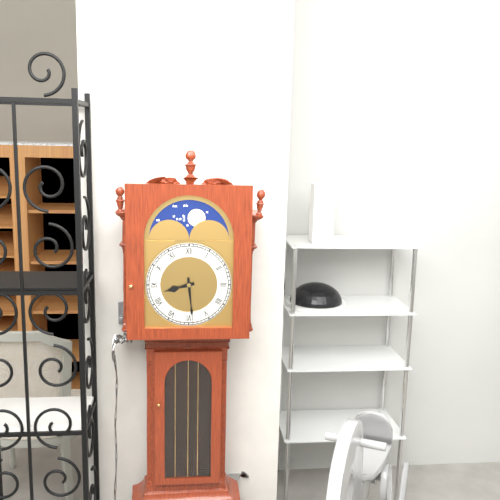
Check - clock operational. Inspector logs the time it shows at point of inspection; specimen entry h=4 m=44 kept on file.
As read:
h=8 m=29
